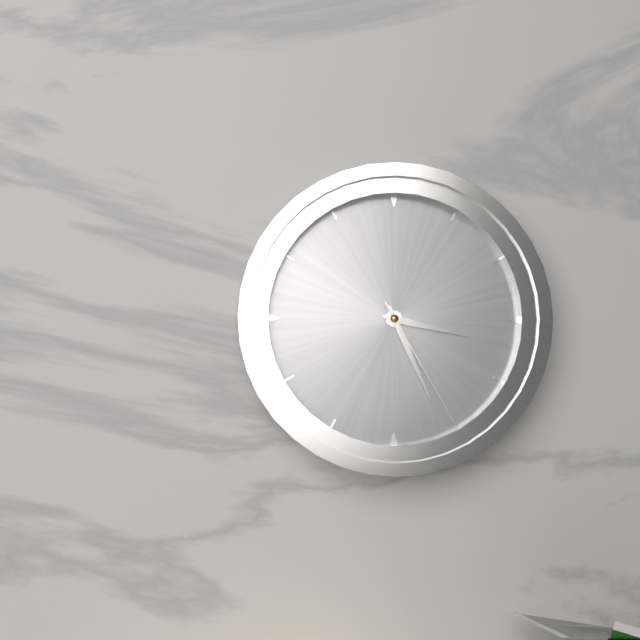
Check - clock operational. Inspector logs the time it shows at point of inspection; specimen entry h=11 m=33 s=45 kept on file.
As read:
h=3 m=26 s=25
